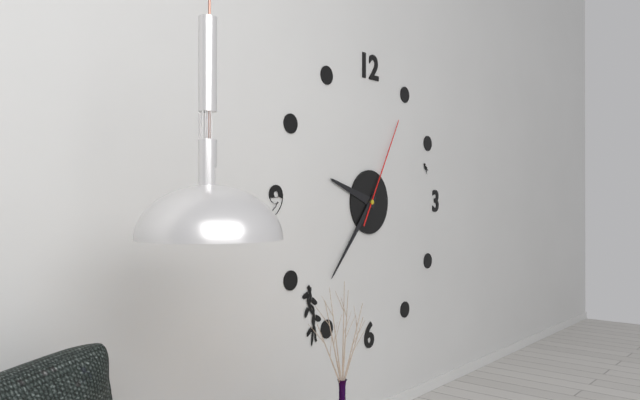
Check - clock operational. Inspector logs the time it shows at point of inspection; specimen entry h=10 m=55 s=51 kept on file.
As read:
h=9 m=37 s=5
